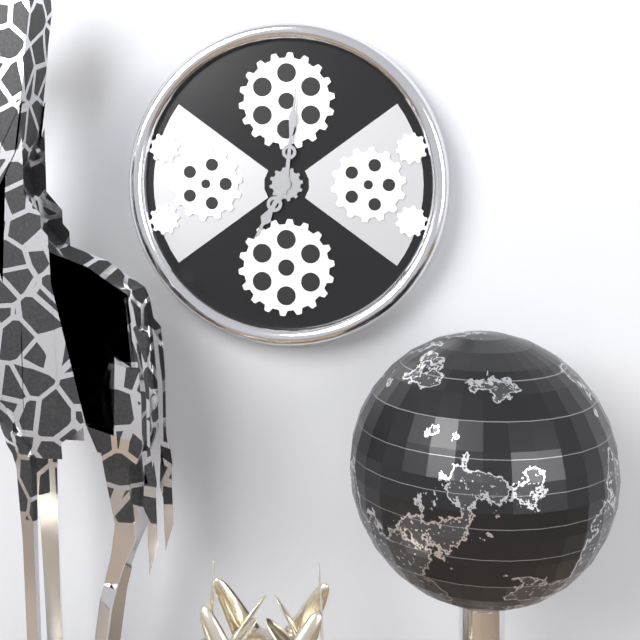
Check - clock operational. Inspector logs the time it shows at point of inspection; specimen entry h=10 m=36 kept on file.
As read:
h=7 m=1
